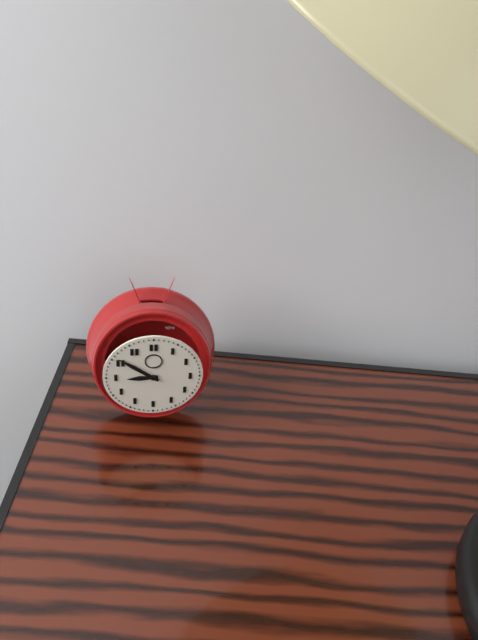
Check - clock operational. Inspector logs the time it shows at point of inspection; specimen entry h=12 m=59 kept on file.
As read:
h=8 m=51
